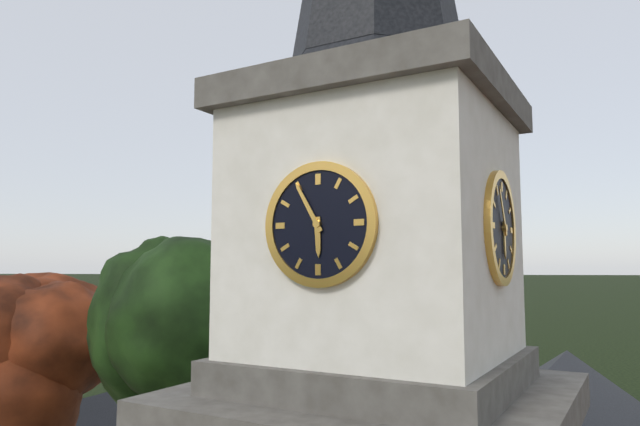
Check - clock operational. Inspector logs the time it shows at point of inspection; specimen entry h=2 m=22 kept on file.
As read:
h=5 m=55
